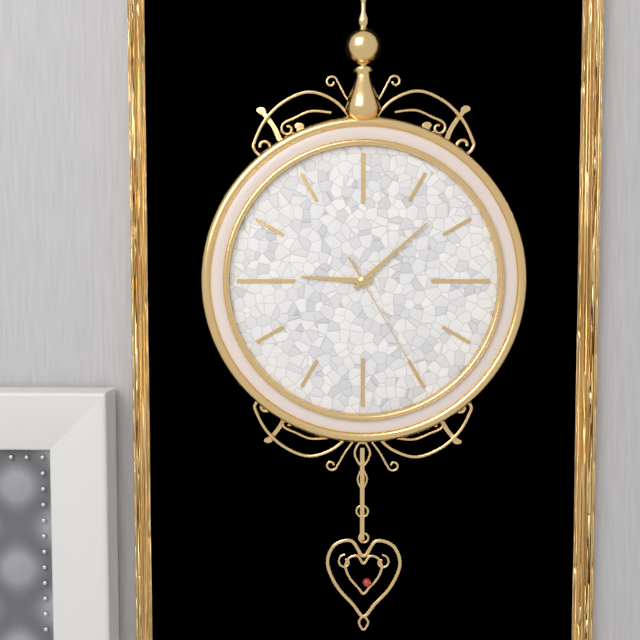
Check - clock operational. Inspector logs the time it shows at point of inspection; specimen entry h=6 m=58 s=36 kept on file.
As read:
h=9 m=8 s=25
